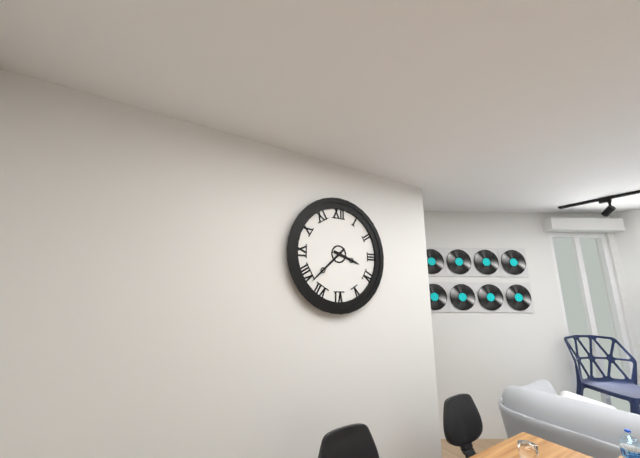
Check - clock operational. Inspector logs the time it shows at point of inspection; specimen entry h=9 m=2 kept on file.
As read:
h=3 m=38
